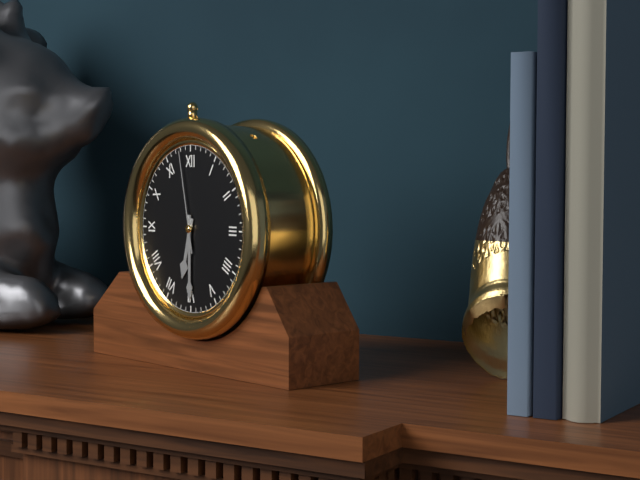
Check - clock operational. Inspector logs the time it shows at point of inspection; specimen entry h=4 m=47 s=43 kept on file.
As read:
h=6 m=30 s=58
